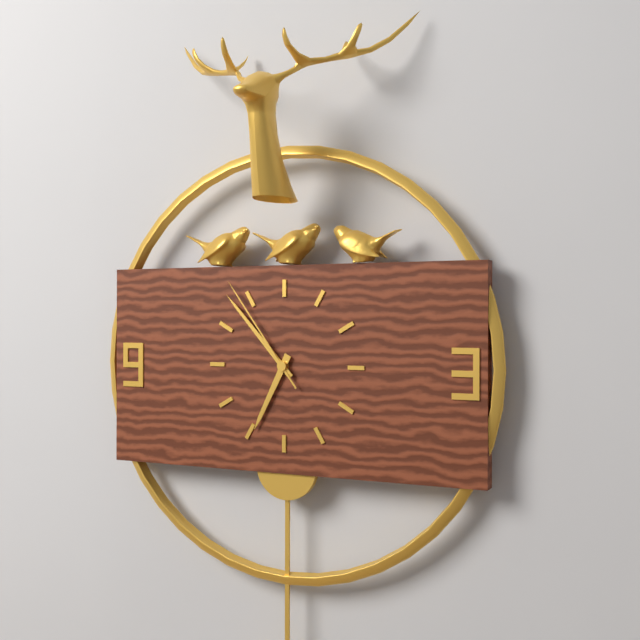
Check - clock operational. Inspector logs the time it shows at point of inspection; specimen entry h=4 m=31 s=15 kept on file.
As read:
h=6 m=53 s=54
